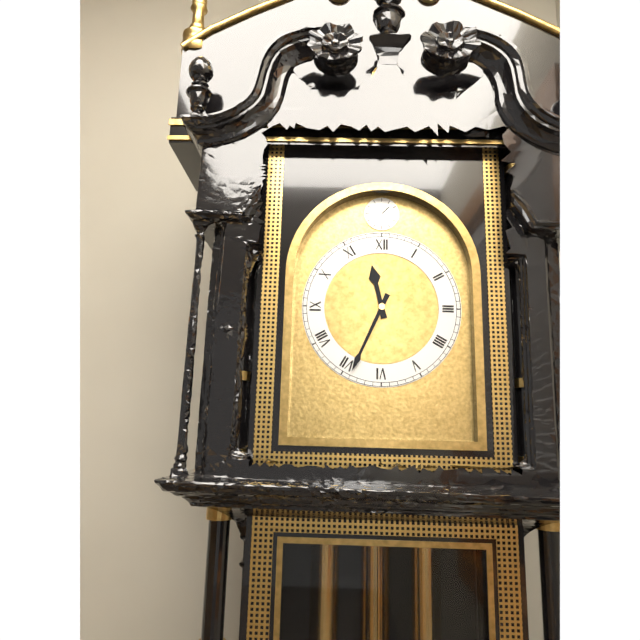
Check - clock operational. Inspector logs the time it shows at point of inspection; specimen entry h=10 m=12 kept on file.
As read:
h=11 m=34
